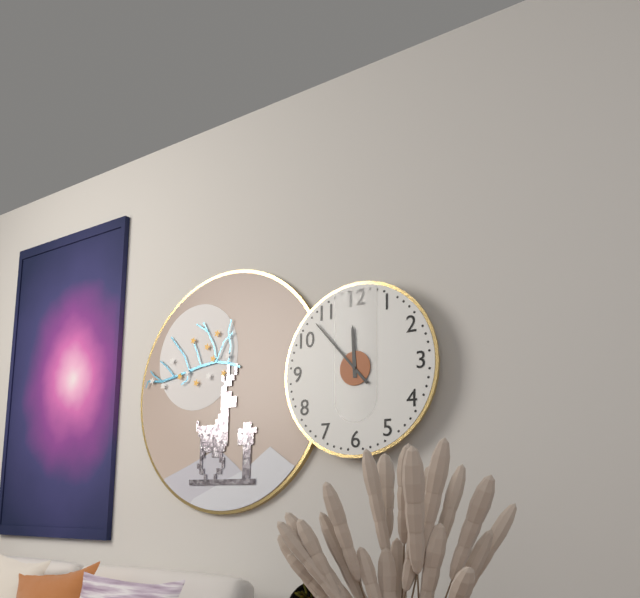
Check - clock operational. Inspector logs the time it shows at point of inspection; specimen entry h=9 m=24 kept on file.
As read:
h=11 m=53
